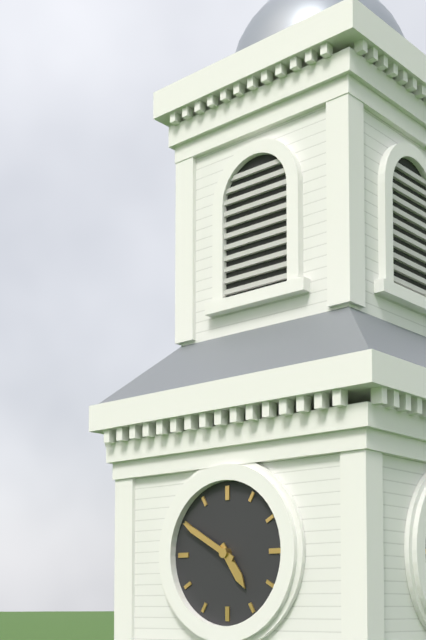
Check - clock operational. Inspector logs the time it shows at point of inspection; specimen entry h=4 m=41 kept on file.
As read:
h=4 m=50
